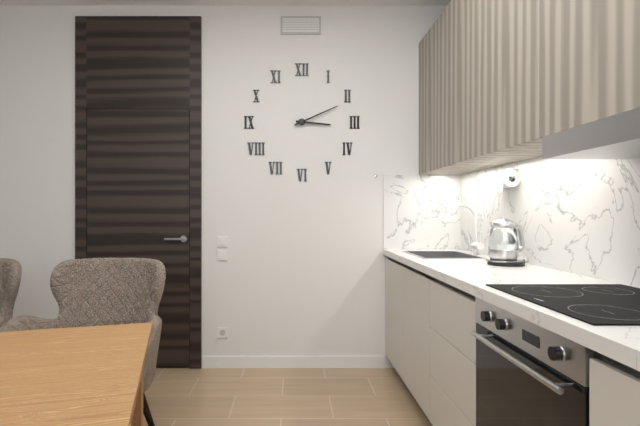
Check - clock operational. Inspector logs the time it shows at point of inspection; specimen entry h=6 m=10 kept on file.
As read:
h=3 m=11
